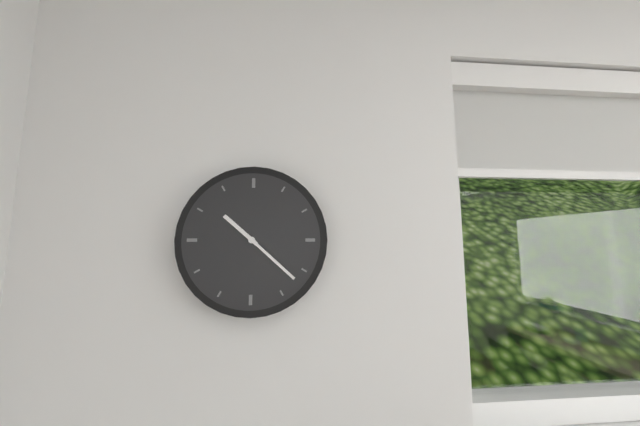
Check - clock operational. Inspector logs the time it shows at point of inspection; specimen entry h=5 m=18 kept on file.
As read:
h=10 m=22
